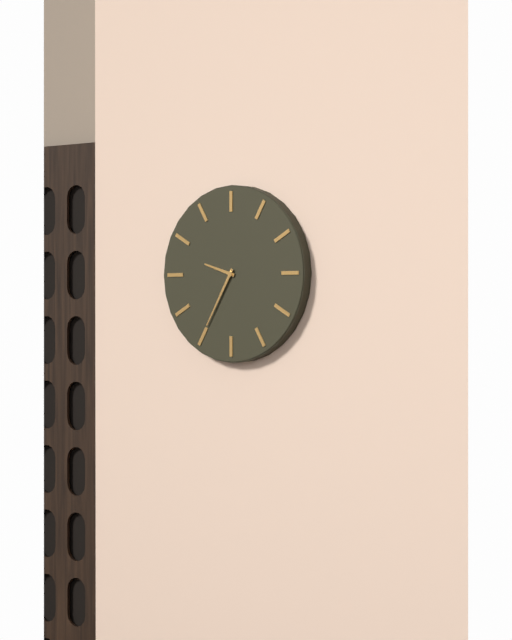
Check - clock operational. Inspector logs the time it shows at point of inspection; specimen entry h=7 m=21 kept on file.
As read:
h=9 m=35
